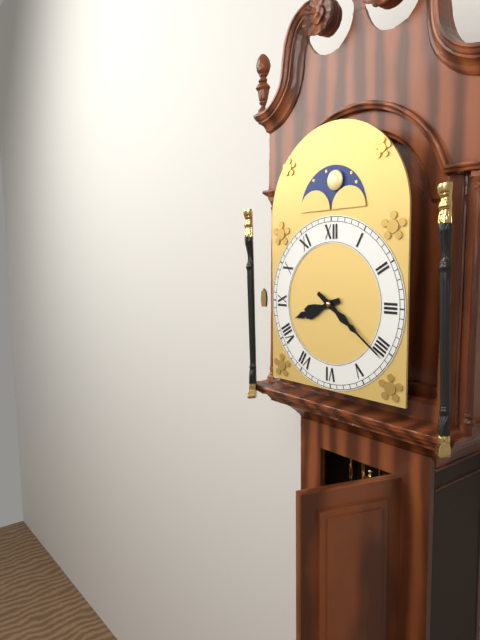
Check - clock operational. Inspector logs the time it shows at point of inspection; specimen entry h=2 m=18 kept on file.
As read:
h=8 m=21
